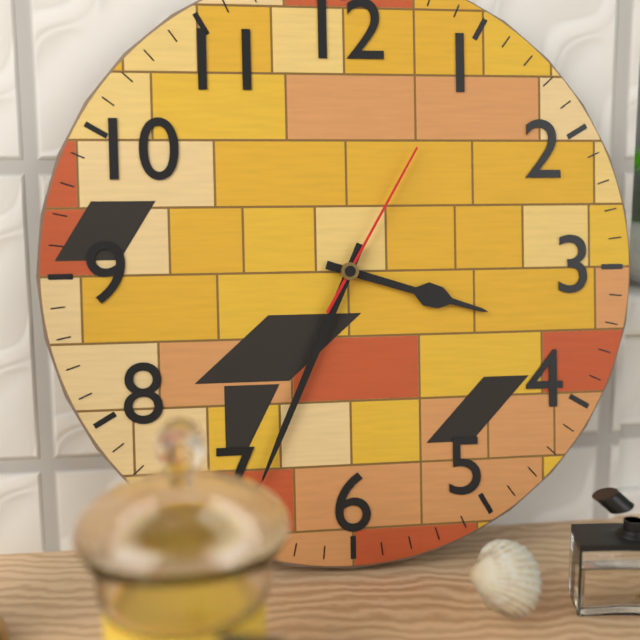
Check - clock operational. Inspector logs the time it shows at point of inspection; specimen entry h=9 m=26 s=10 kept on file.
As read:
h=3 m=34 s=5
